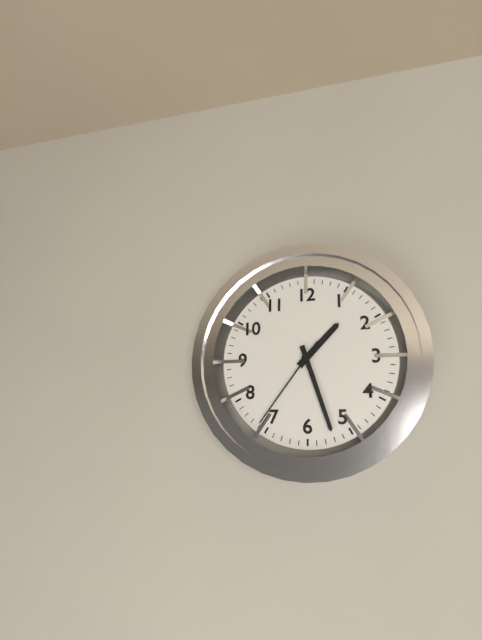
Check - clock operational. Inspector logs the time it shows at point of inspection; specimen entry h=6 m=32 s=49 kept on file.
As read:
h=1 m=27 s=36
